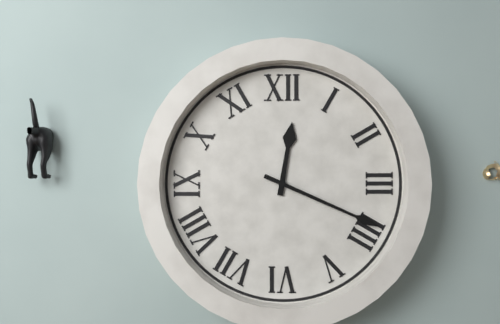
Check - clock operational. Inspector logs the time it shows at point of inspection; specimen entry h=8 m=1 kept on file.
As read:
h=12 m=19
